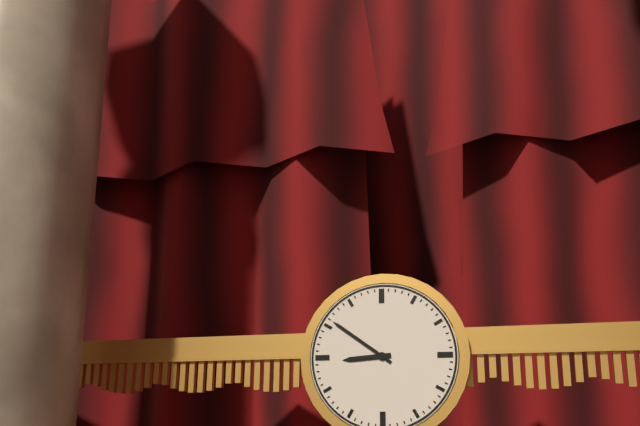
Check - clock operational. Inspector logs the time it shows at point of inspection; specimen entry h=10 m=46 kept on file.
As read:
h=8 m=51
